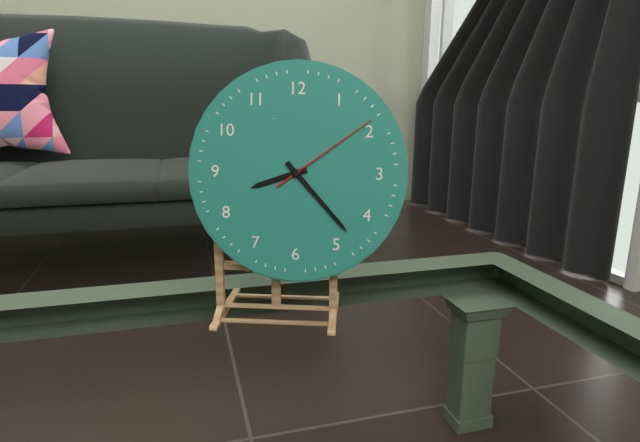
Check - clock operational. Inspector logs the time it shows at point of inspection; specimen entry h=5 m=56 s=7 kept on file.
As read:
h=8 m=23 s=9
